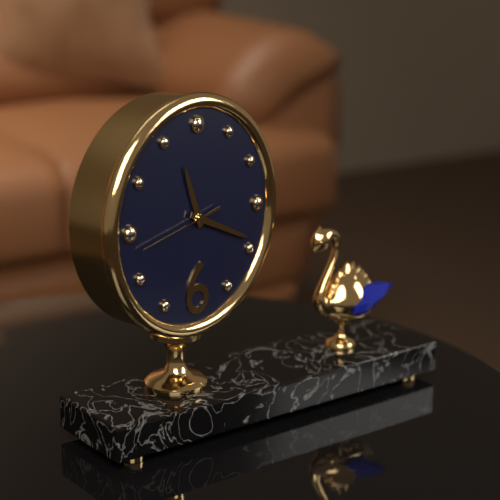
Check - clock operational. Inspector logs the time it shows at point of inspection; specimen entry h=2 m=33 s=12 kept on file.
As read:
h=11 m=19 s=43
